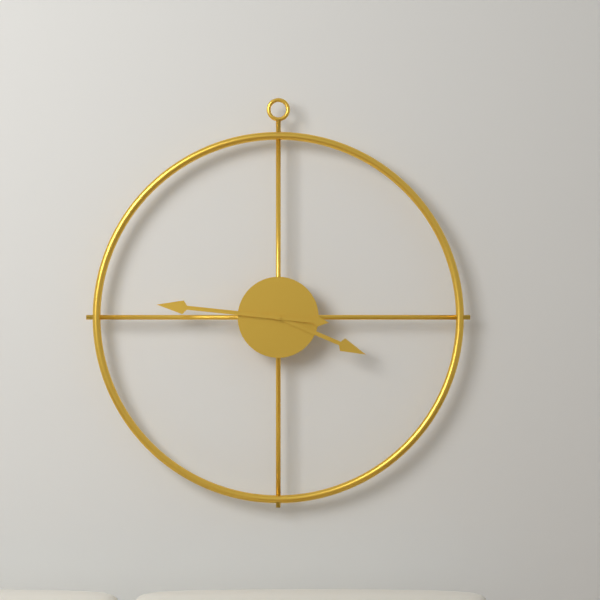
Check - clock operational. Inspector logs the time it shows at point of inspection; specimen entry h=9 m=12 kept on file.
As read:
h=3 m=46
